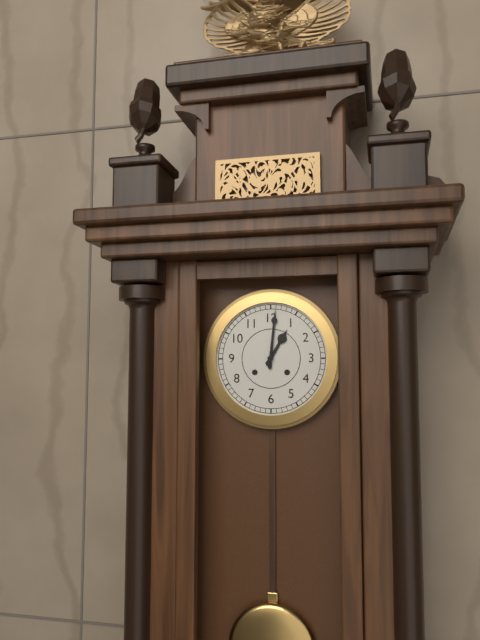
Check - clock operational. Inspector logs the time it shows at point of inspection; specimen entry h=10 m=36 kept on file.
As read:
h=1 m=1
